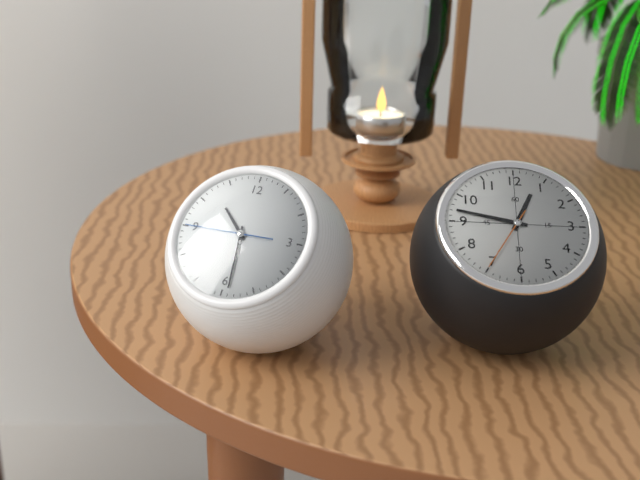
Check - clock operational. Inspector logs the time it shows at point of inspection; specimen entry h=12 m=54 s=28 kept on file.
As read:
h=10 m=29 s=45
